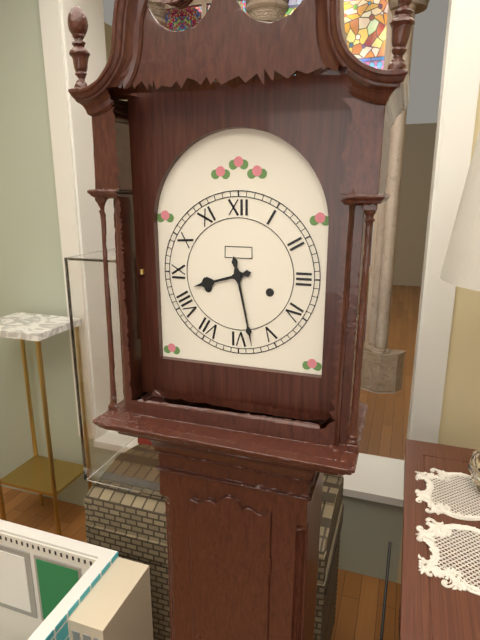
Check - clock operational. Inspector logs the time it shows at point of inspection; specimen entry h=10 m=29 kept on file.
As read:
h=8 m=28
